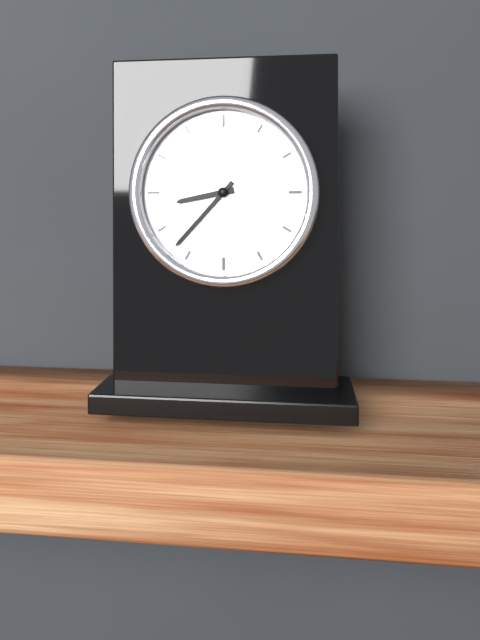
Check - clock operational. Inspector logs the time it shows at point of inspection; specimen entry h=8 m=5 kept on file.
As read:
h=8 m=37
